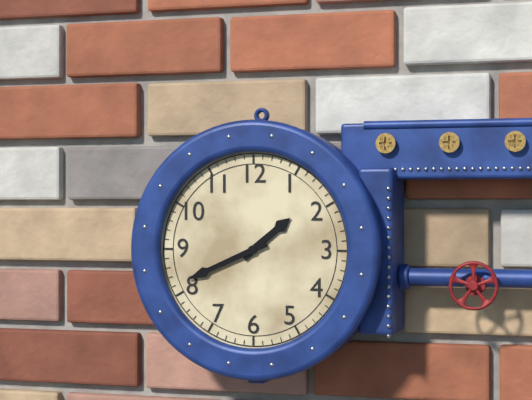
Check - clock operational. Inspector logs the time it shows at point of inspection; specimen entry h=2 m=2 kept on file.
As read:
h=1 m=41
